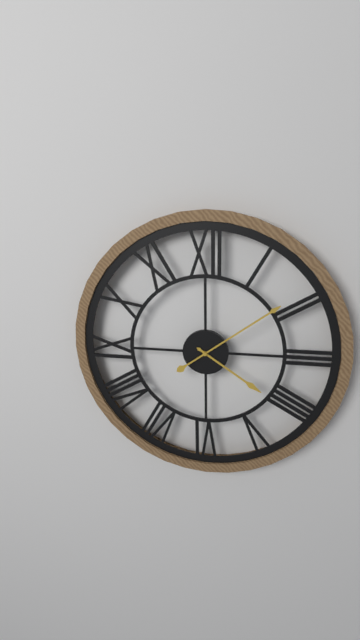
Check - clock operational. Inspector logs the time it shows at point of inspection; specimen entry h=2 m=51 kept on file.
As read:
h=4 m=9
